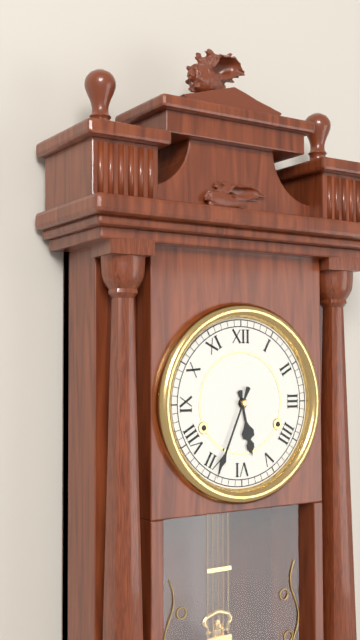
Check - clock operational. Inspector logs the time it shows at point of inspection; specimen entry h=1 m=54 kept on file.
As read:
h=5 m=34
